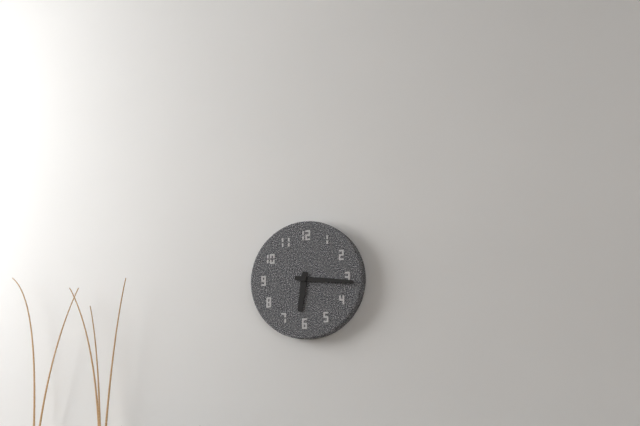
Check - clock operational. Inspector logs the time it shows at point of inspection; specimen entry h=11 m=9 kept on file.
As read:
h=6 m=16
